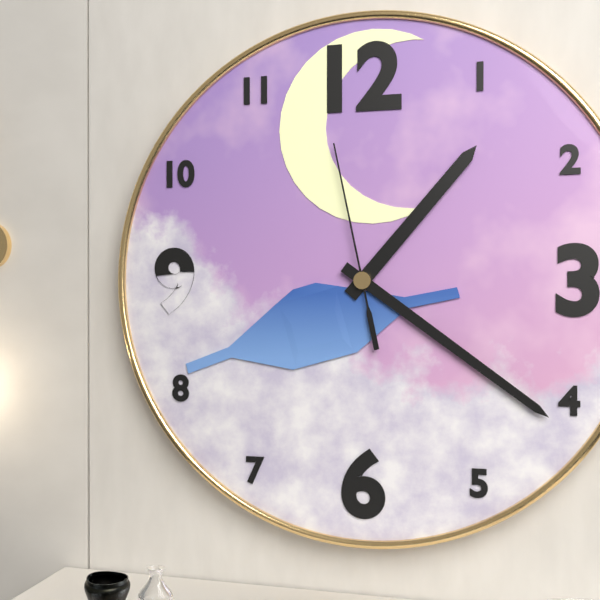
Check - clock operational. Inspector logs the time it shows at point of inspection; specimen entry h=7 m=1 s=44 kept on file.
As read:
h=1 m=21 s=58
